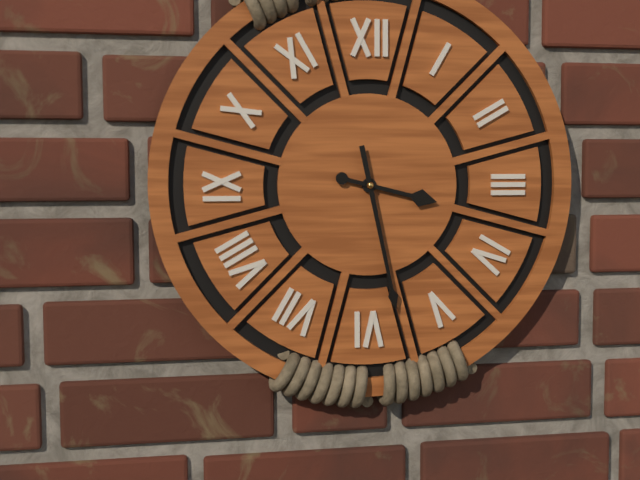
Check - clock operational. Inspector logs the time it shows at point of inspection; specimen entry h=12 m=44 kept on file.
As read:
h=3 m=28
